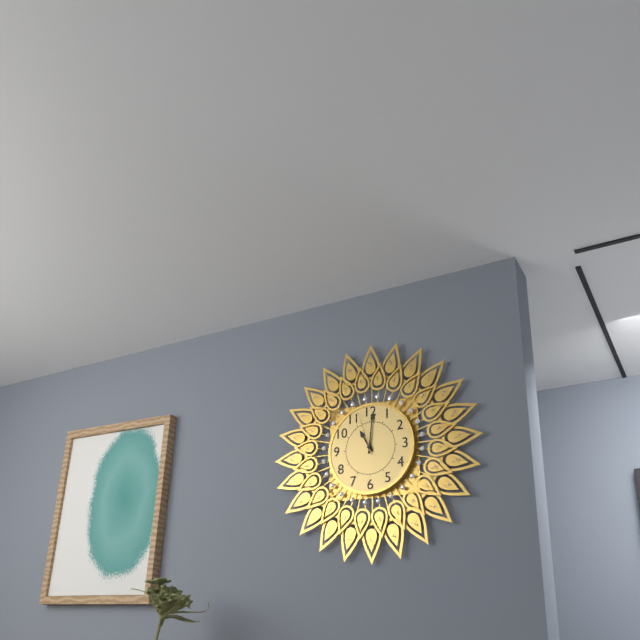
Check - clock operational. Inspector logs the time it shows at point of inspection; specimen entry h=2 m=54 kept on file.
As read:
h=11 m=1
